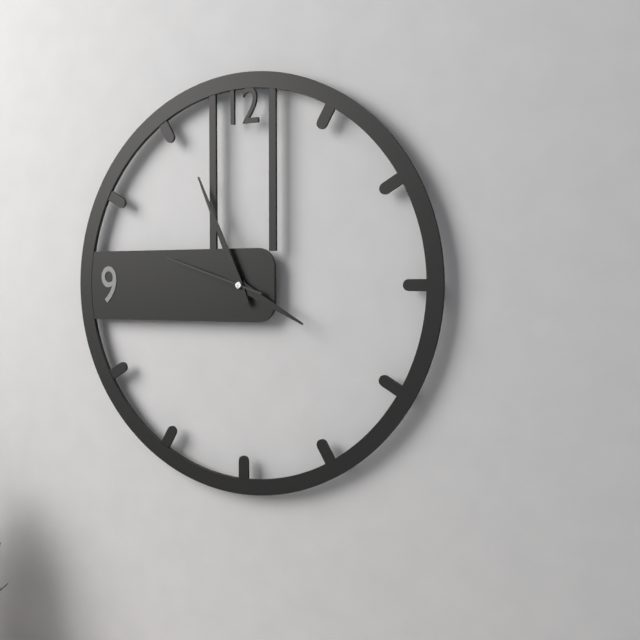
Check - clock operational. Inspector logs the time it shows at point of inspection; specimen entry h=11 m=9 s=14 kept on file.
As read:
h=3 m=56 s=48
